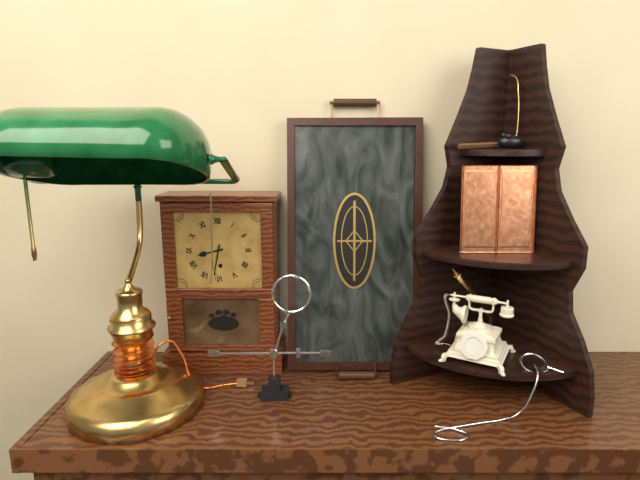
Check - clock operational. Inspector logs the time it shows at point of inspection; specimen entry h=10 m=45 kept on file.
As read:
h=8 m=32
